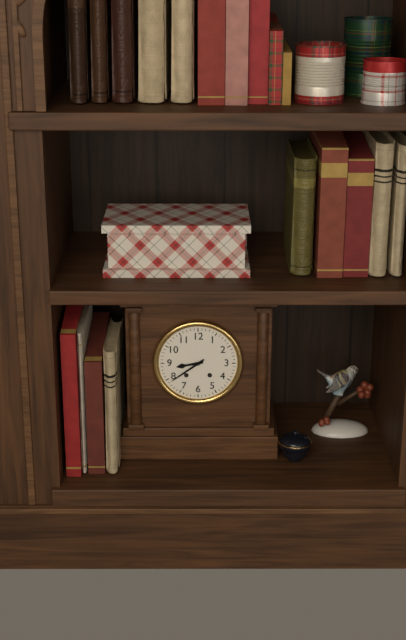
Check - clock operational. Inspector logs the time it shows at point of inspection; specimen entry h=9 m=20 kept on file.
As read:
h=8 m=39
